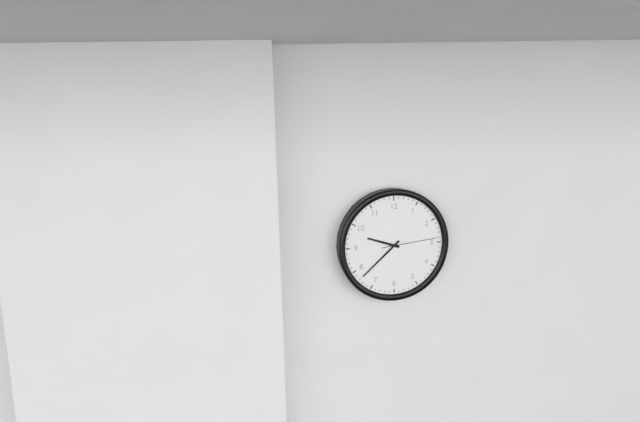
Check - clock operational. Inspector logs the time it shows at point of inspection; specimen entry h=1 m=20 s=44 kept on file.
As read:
h=9 m=38 s=14
